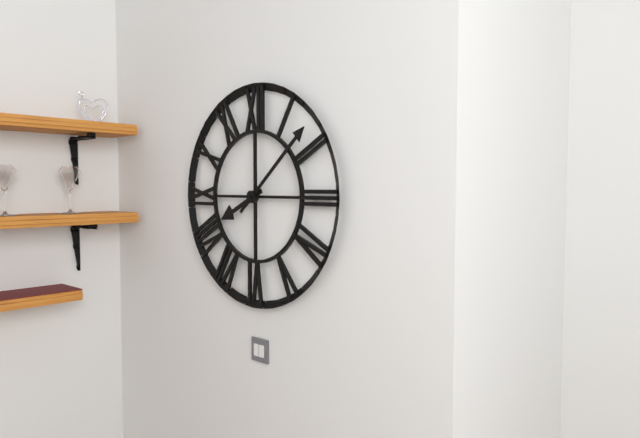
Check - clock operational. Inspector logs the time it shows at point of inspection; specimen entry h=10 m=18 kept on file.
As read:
h=8 m=8
